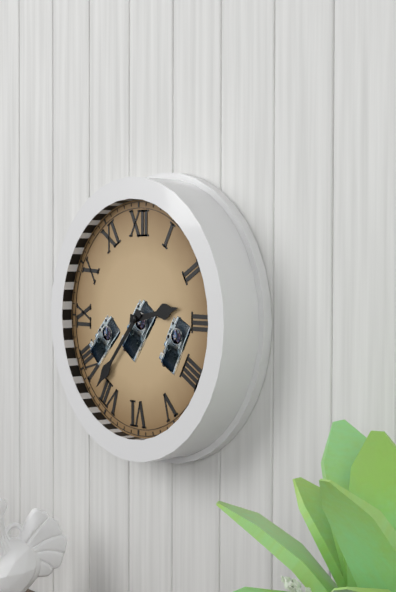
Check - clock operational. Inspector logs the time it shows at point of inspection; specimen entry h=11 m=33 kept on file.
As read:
h=2 m=37
